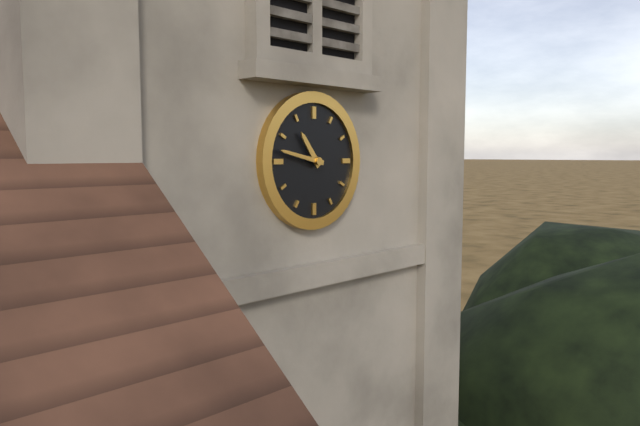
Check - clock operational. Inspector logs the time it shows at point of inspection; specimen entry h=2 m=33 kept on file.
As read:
h=10 m=47
